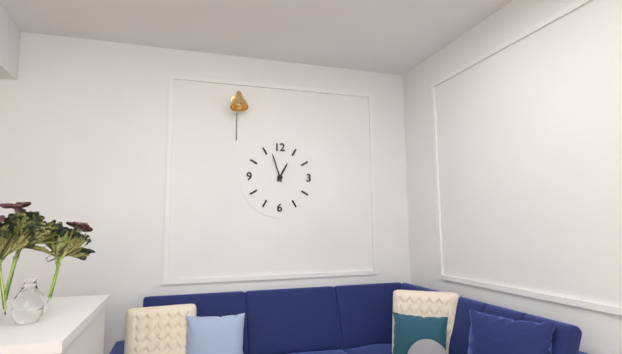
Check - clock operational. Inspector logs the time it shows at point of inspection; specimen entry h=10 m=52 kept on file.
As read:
h=12 m=57
